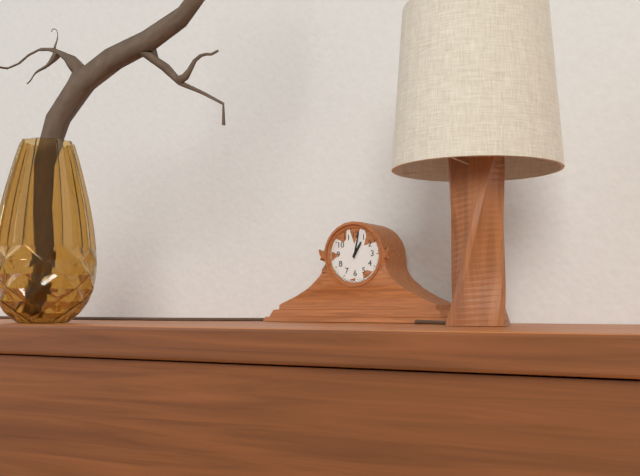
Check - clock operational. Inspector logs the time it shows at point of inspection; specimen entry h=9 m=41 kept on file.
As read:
h=1 m=2
